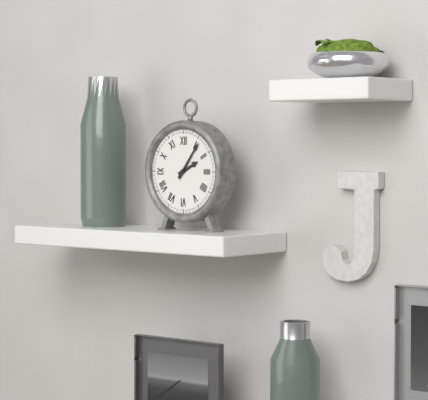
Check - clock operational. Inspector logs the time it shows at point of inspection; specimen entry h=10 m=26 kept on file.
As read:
h=2 m=6
